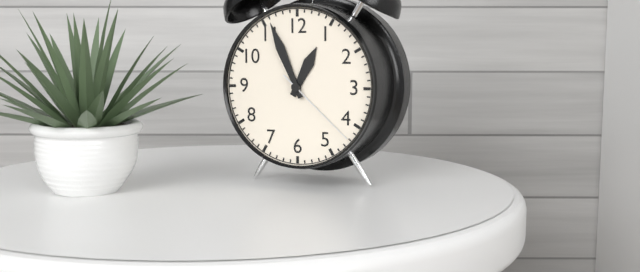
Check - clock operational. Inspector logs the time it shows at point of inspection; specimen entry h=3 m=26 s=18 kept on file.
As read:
h=12 m=56 s=22
